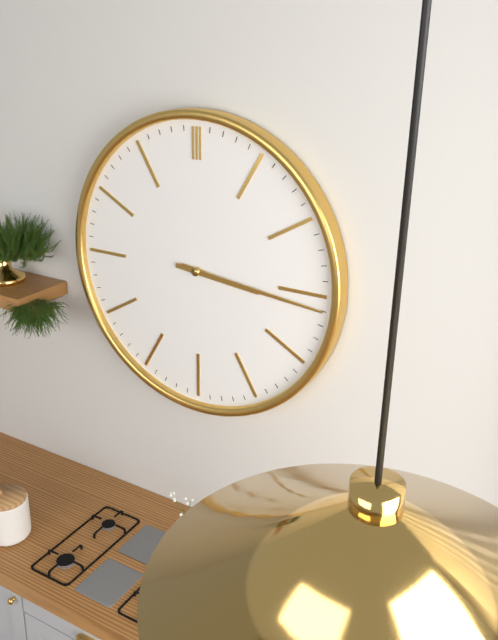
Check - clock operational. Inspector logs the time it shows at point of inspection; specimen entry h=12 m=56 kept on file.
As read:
h=3 m=16
